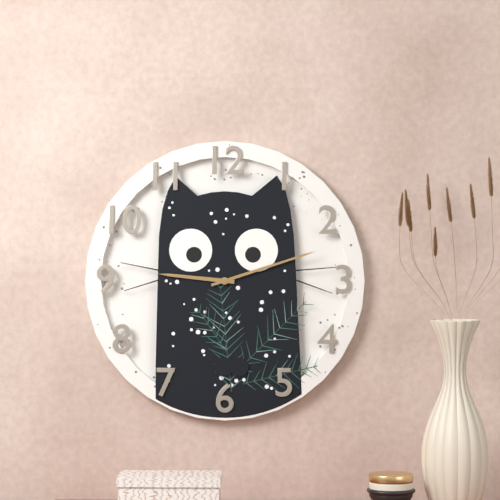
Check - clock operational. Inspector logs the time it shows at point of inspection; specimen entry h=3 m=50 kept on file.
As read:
h=9 m=12
